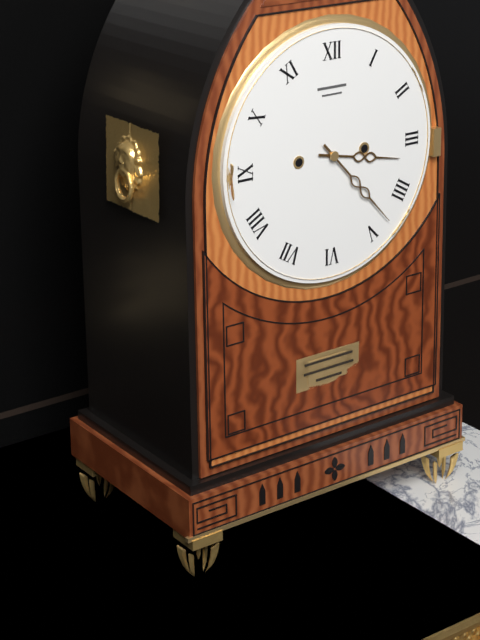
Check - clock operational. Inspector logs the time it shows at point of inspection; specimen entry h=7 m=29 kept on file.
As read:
h=3 m=23
